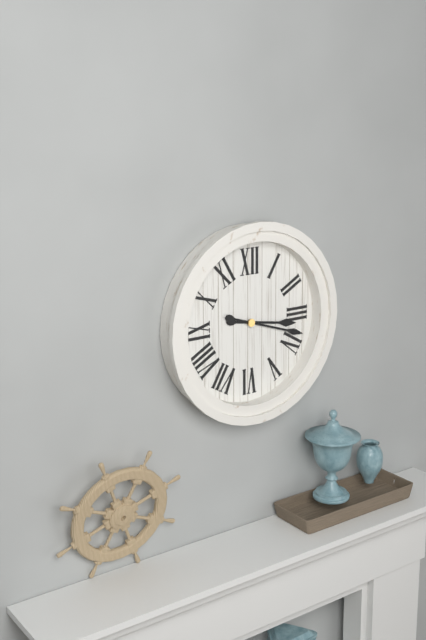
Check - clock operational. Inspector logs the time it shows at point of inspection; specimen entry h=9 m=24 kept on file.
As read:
h=3 m=18
